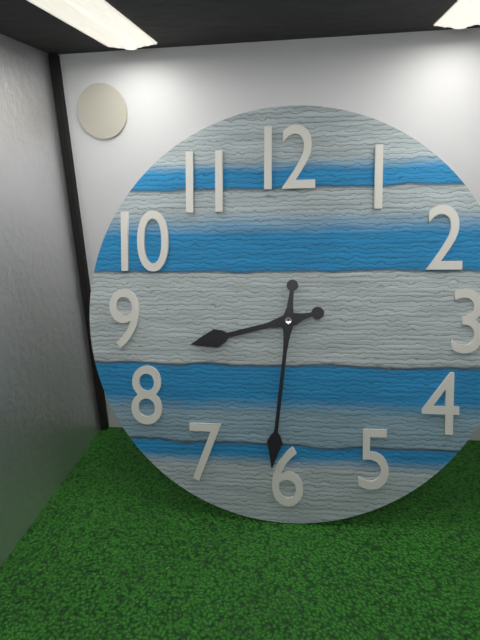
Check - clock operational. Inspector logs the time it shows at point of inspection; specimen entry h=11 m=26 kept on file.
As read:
h=8 m=31
